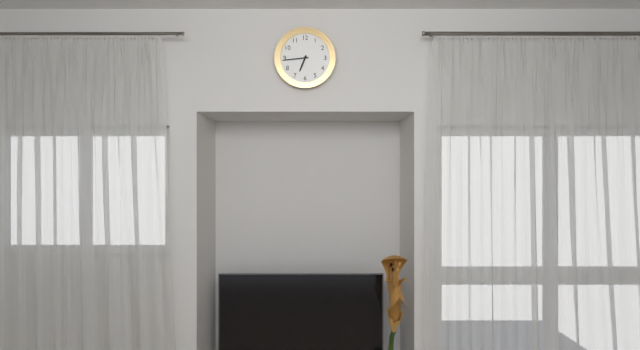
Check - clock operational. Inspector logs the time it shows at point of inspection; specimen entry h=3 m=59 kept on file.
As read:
h=6 m=44
